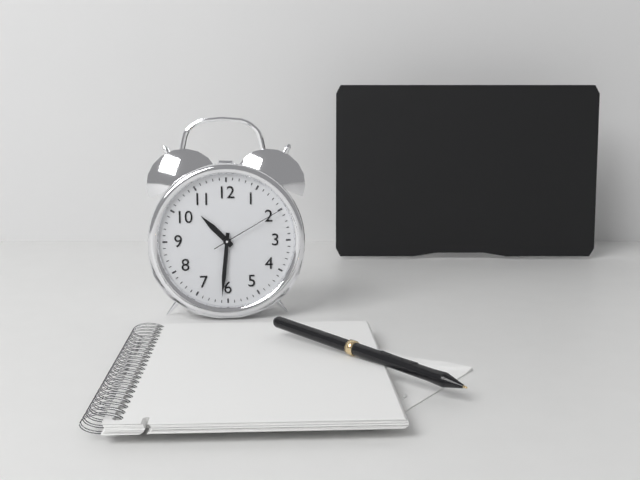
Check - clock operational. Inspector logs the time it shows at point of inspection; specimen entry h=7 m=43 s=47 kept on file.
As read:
h=10 m=31 s=10
